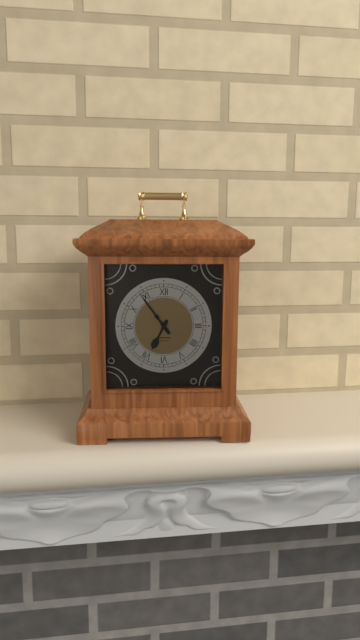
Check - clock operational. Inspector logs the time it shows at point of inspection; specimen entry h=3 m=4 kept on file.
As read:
h=6 m=54
